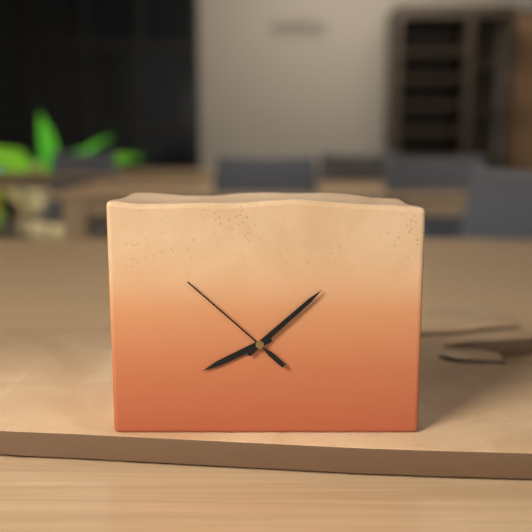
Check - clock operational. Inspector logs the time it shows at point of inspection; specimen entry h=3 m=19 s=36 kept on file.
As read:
h=8 m=8 s=52
